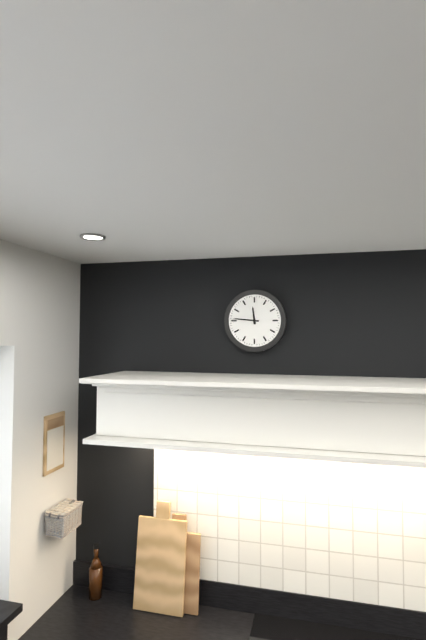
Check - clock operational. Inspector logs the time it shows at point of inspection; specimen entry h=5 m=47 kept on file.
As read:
h=11 m=46
